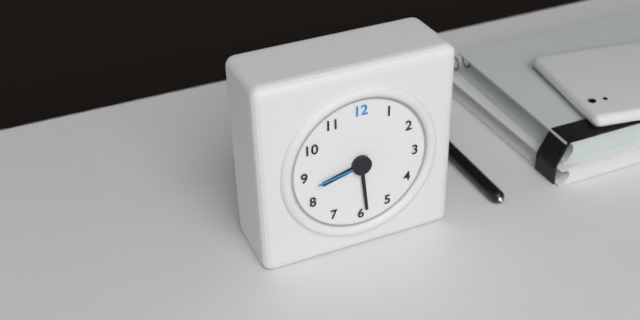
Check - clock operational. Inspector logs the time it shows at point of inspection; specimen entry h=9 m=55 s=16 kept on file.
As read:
h=8 m=29 s=43
